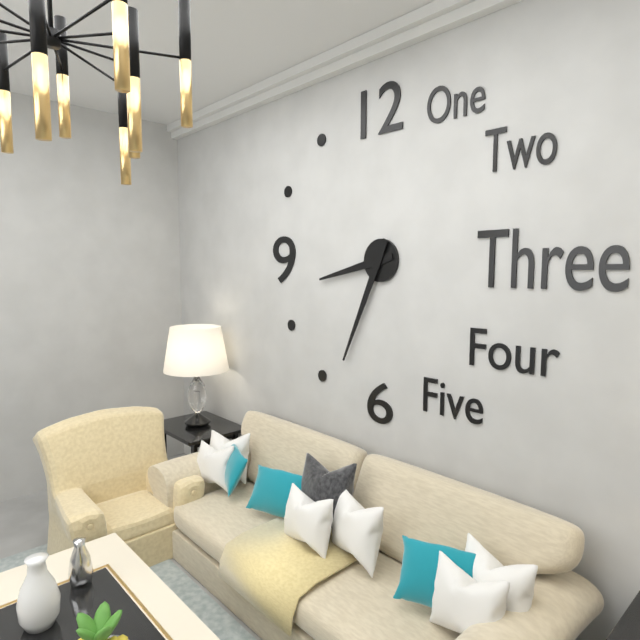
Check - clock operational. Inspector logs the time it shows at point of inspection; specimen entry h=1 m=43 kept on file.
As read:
h=8 m=34
